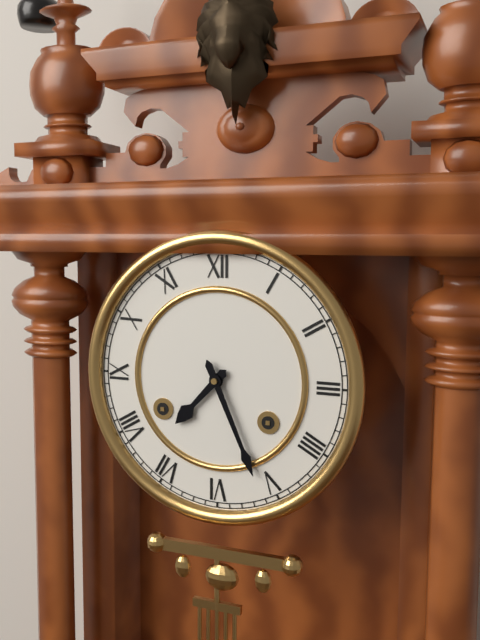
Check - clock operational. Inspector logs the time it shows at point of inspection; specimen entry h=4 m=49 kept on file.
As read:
h=7 m=26
